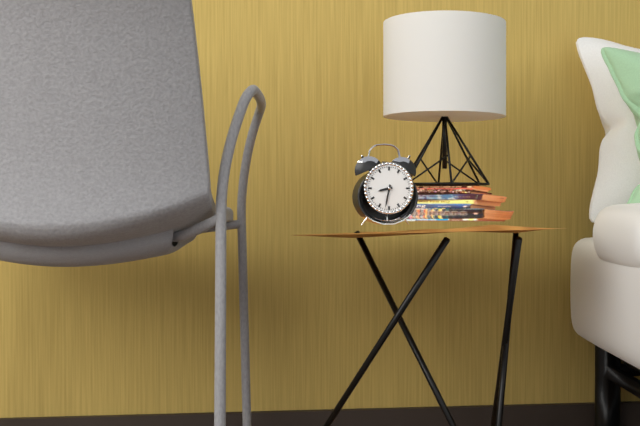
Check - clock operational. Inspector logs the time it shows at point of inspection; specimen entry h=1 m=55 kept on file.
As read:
h=8 m=32
